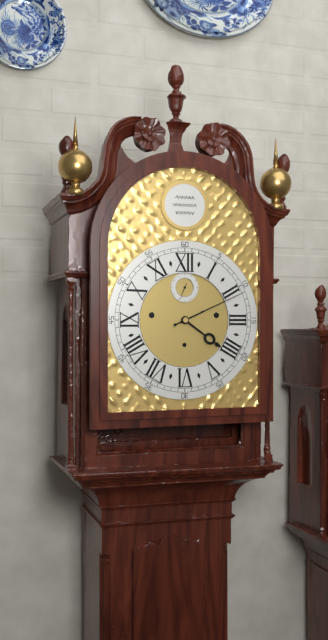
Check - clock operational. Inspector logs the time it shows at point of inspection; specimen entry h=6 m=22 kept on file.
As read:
h=4 m=11
